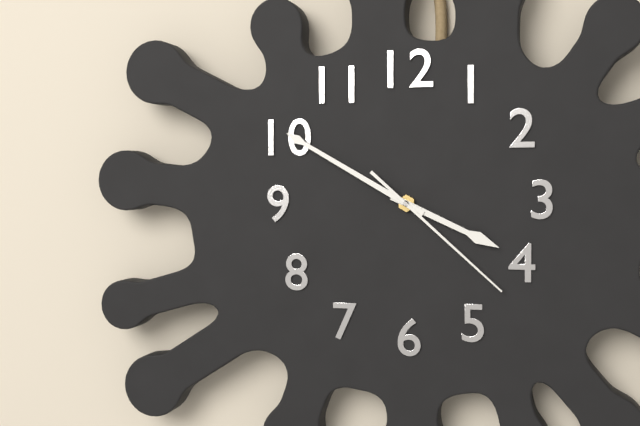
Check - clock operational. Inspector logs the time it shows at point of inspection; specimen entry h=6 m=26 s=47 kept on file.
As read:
h=3 m=50 s=22
